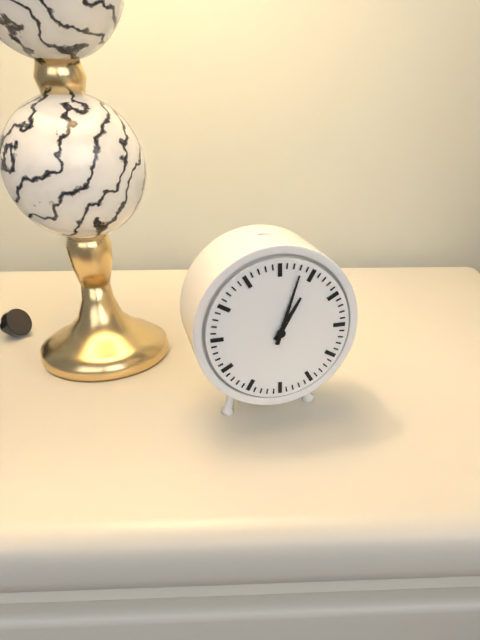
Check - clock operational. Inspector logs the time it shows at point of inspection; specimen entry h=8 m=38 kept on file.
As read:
h=1 m=3
